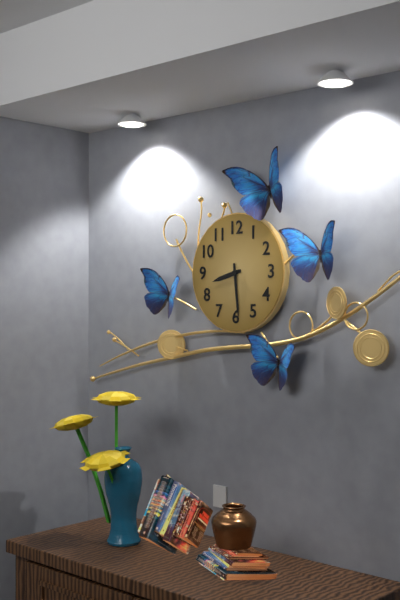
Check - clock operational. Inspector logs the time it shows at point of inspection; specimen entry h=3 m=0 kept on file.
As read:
h=8 m=29
